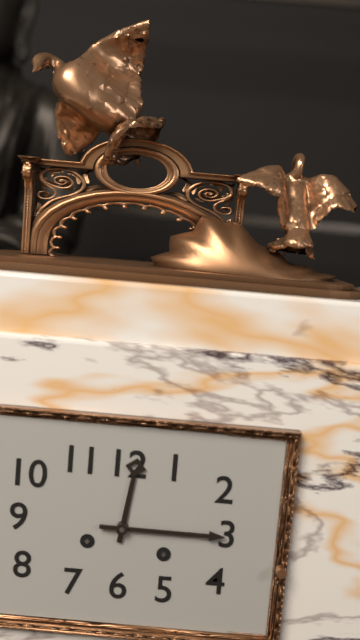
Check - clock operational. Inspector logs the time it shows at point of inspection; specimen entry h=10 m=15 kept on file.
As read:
h=12 m=15
